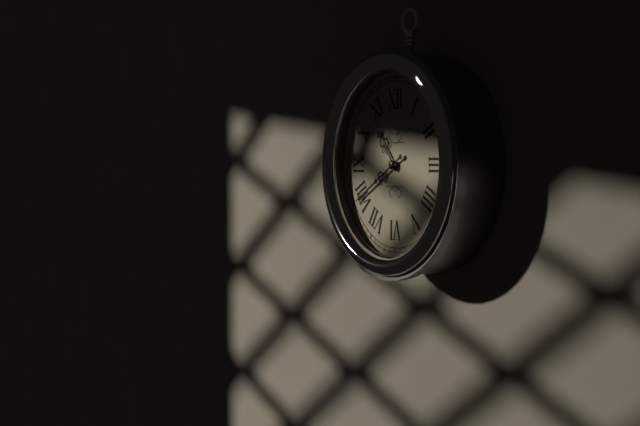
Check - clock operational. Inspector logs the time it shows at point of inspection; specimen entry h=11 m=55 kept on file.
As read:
h=10 m=40
